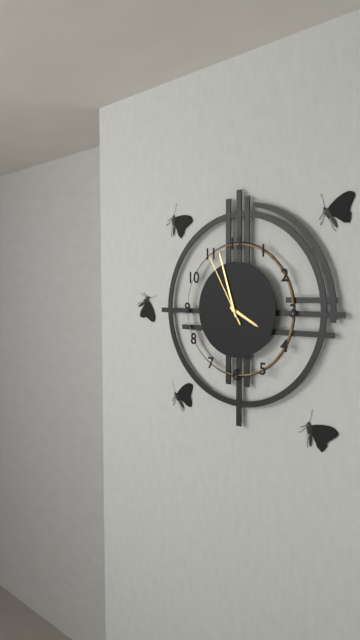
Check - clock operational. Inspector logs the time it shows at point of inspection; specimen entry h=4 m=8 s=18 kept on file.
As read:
h=3 m=57 s=55
